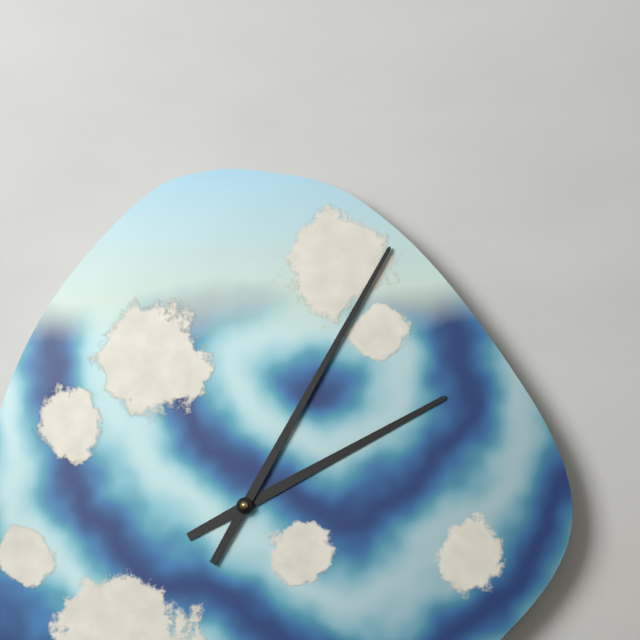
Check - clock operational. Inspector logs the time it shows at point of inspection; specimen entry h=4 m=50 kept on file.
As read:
h=2 m=5
